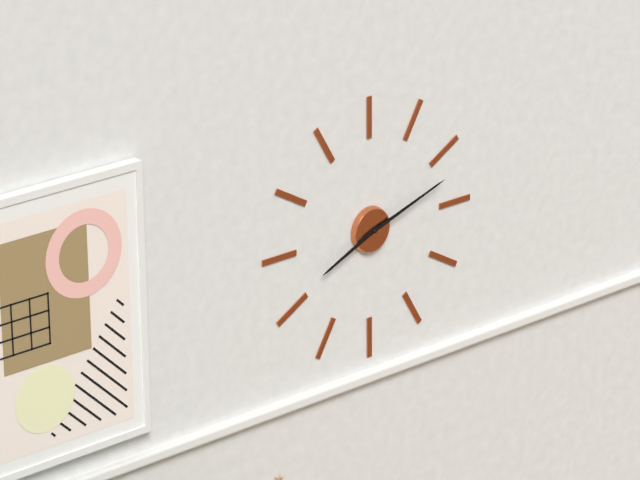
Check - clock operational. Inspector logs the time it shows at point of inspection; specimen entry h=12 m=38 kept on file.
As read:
h=8 m=12
